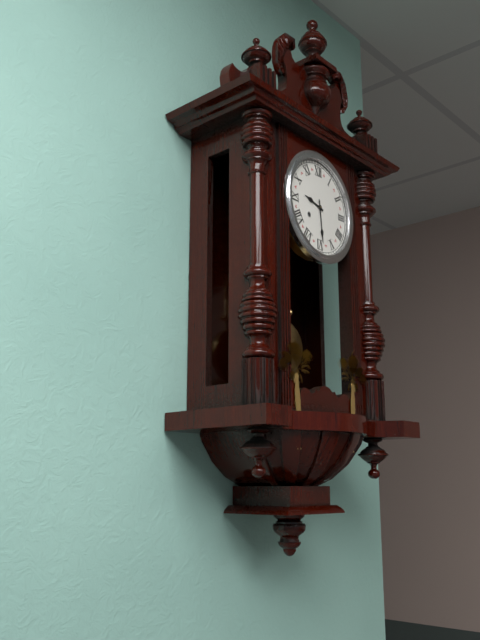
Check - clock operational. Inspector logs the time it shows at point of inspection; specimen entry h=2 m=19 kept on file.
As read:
h=9 m=29
